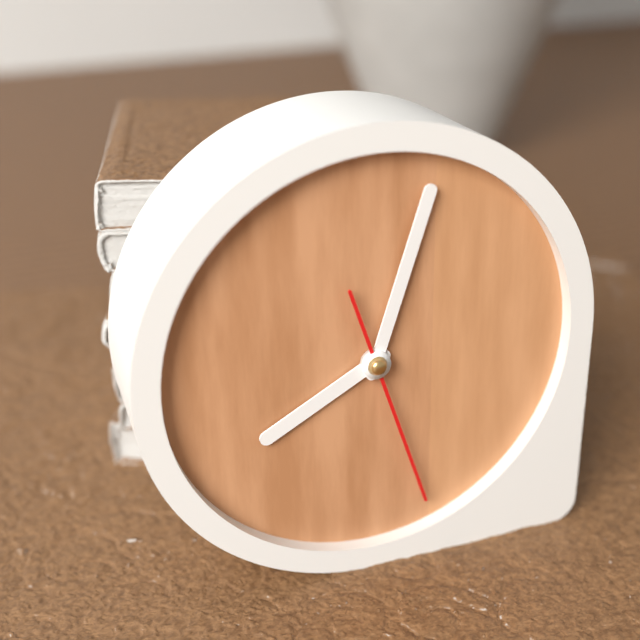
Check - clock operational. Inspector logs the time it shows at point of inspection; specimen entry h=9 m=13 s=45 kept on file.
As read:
h=8 m=3 s=27
